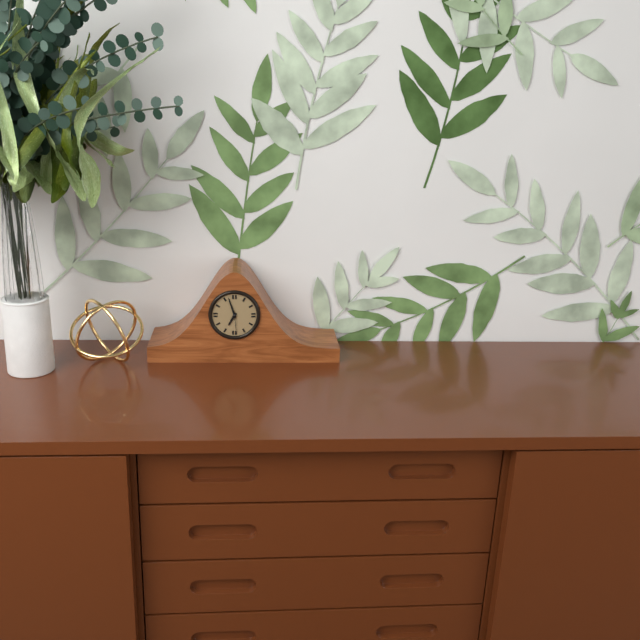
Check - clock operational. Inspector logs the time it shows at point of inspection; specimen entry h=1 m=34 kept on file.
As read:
h=6 m=57
